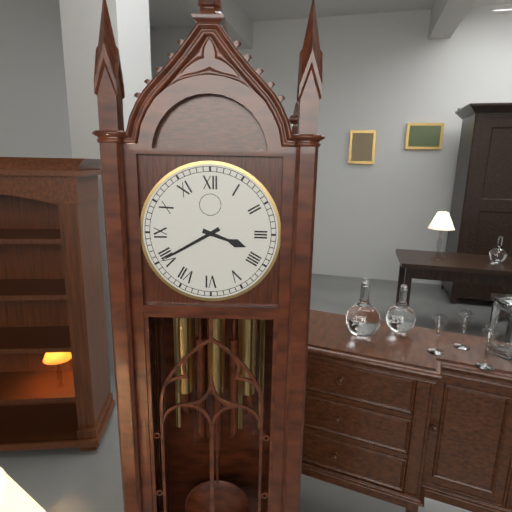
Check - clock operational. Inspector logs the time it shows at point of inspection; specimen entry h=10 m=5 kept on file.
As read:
h=3 m=40
